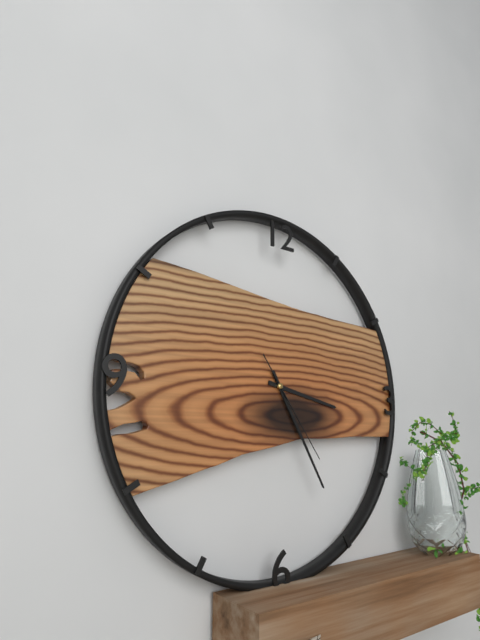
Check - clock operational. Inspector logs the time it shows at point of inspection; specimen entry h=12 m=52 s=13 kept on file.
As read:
h=3 m=25 s=24
